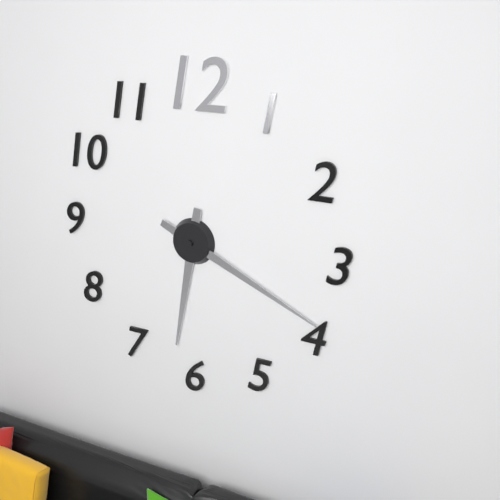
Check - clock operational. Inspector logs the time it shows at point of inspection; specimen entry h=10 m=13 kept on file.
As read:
h=6 m=19
